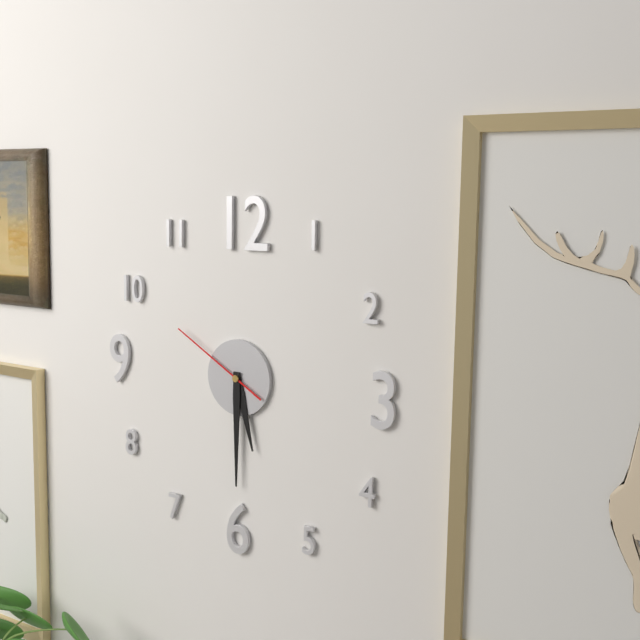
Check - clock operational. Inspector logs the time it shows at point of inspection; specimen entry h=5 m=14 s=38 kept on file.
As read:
h=5 m=30 s=50
